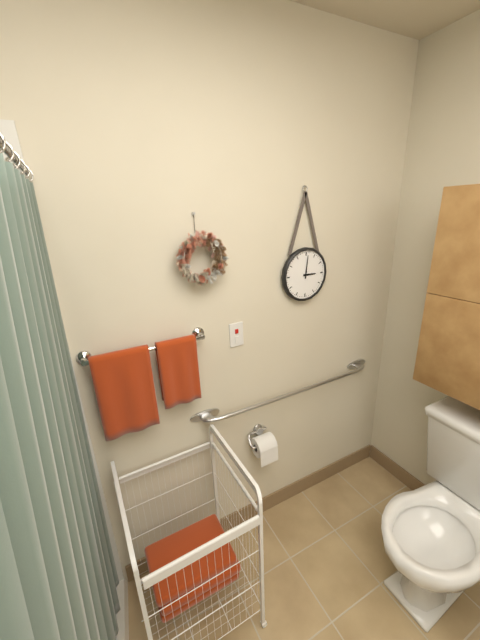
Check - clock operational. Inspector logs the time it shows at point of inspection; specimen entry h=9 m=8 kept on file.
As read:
h=3 m=1
